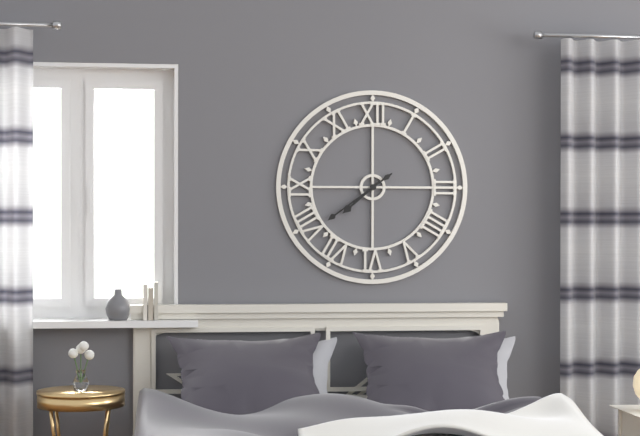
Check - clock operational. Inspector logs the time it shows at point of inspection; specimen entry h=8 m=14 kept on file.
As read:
h=7 m=39
